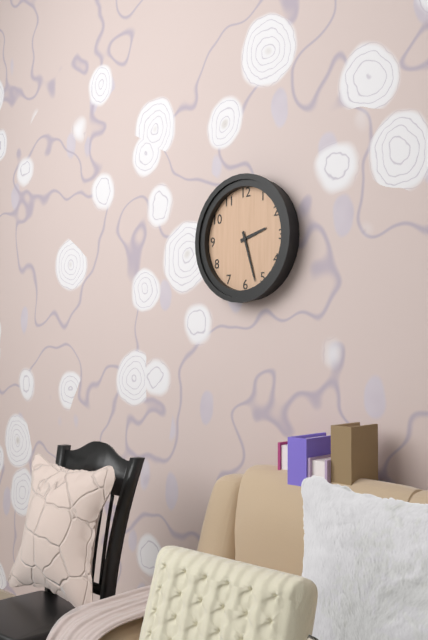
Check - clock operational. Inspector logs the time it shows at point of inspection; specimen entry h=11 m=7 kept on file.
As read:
h=2 m=27
